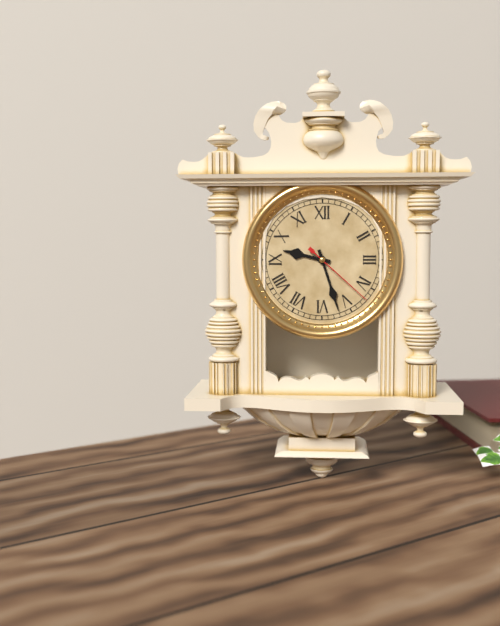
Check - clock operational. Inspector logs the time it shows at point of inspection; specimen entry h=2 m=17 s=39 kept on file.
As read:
h=9 m=27 s=22
